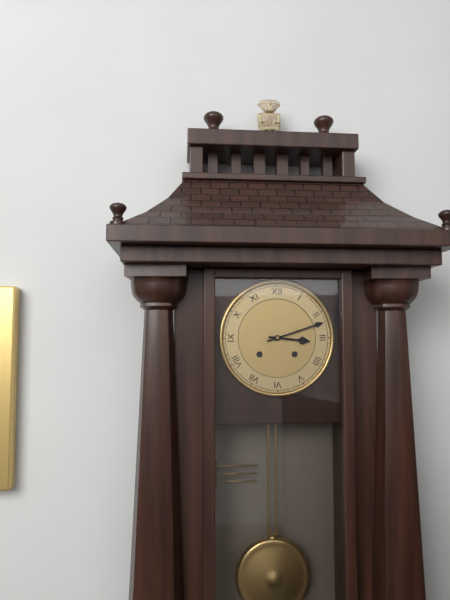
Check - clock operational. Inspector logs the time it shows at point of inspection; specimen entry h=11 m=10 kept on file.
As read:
h=3 m=12
